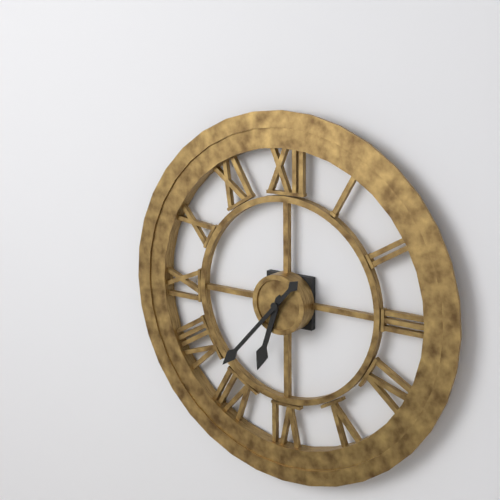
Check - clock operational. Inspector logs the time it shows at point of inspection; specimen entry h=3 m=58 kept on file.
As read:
h=6 m=37
